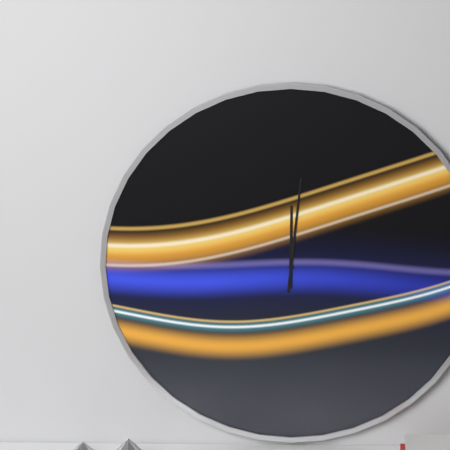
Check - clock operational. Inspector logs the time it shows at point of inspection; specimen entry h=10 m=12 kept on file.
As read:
h=12 m=1
